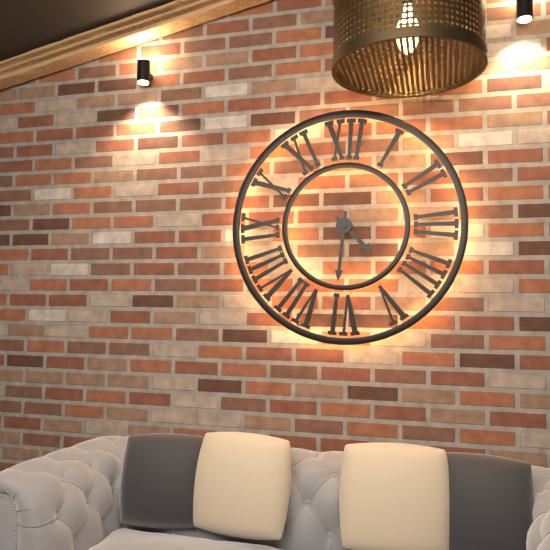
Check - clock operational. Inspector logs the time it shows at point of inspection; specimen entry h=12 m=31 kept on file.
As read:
h=4 m=31
